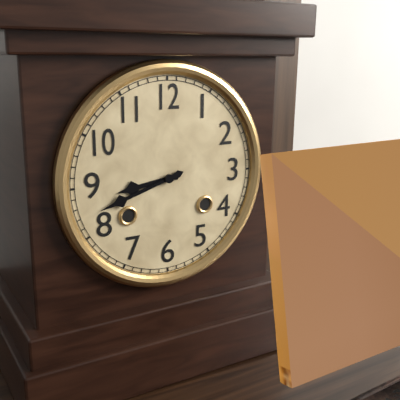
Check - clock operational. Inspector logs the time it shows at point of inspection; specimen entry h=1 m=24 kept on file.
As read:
h=8 m=42
